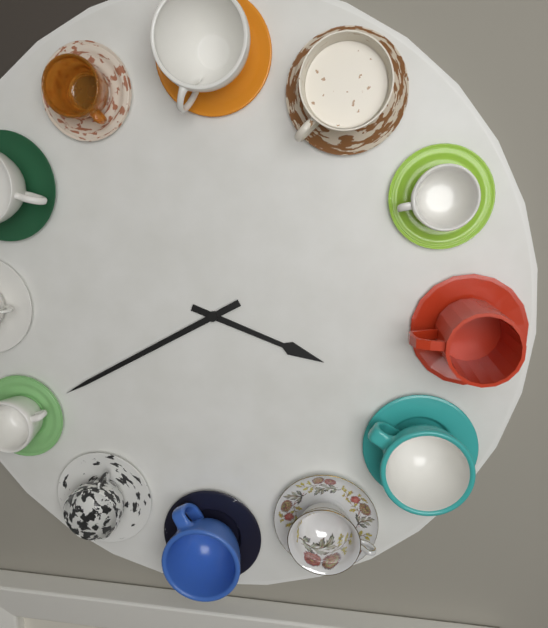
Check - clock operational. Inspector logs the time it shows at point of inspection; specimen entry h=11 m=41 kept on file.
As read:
h=3 m=40
